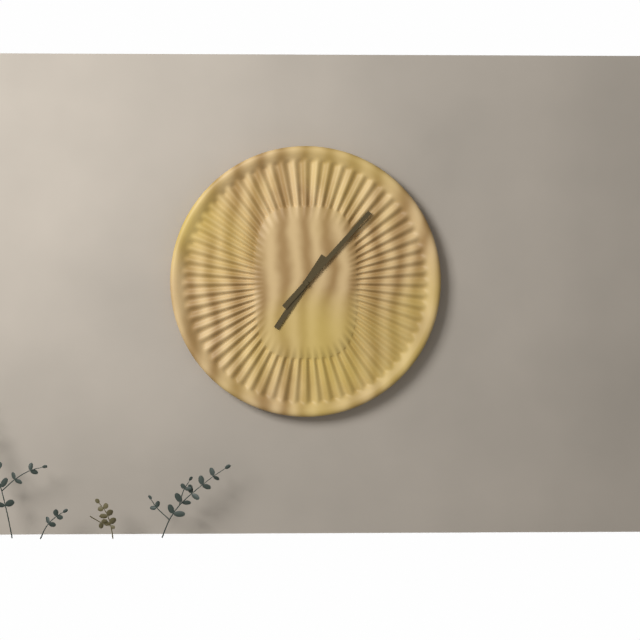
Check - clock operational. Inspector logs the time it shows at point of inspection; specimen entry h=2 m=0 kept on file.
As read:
h=7 m=7
